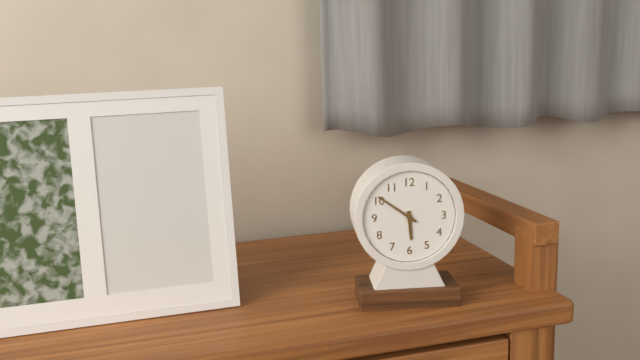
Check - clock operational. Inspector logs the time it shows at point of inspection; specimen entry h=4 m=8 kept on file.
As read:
h=5 m=51
